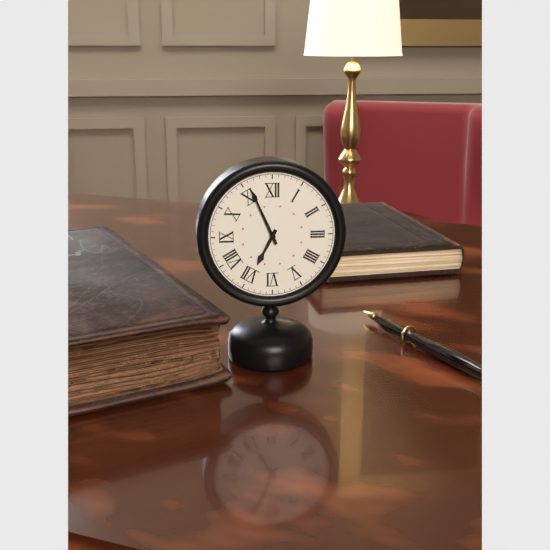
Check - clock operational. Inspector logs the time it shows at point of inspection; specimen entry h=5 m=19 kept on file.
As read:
h=6 m=56
